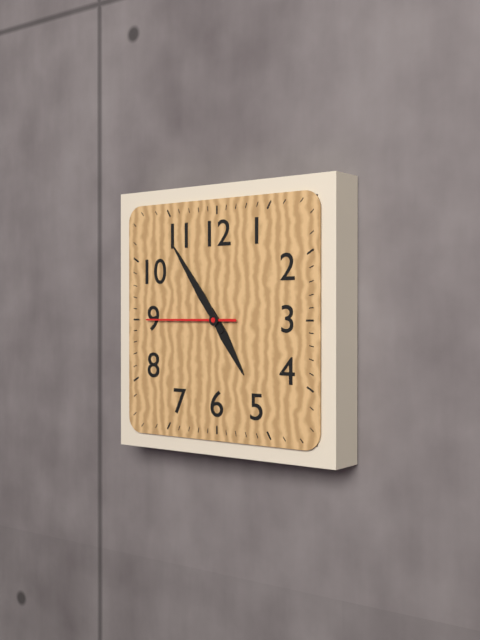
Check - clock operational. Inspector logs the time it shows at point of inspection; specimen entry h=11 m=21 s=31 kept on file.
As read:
h=4 m=54 s=45
